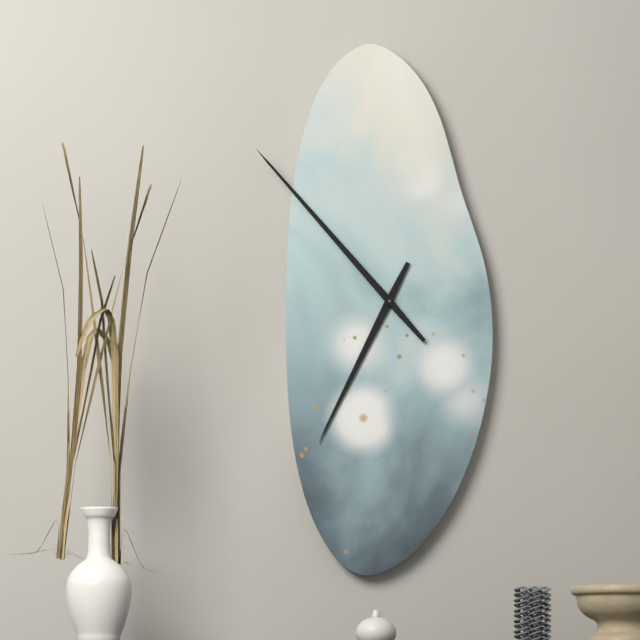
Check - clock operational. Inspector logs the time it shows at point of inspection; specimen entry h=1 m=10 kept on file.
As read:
h=6 m=53
